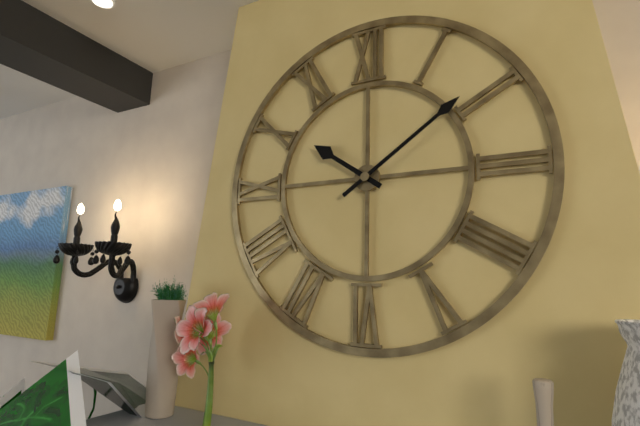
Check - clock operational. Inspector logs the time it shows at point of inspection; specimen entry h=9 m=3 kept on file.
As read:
h=10 m=9
